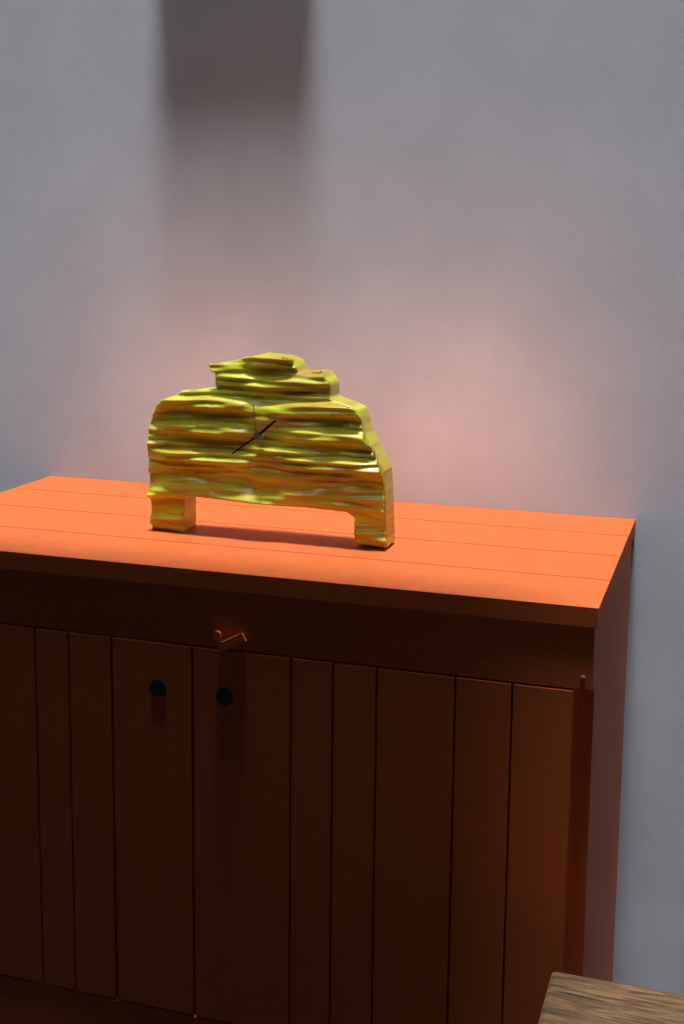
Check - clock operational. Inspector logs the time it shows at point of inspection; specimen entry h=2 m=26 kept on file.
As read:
h=1 m=39
